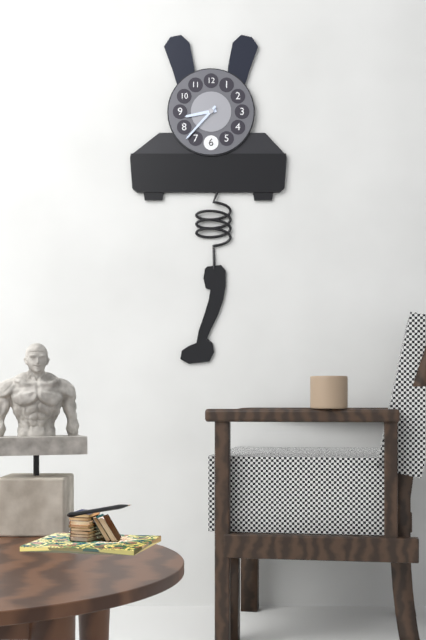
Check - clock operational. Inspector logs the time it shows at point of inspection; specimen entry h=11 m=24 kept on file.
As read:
h=8 m=37
